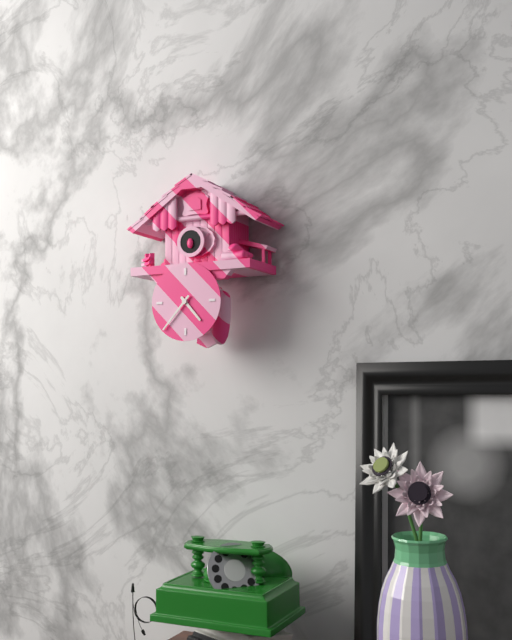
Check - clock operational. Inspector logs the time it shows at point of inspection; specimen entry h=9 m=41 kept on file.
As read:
h=4 m=37
